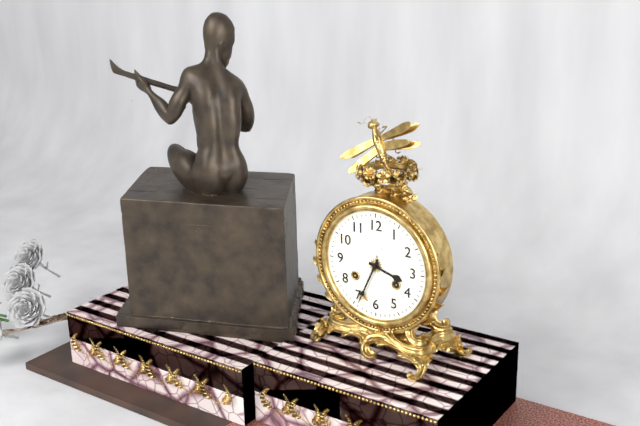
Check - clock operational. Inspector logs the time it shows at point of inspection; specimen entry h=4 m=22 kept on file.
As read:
h=3 m=34
